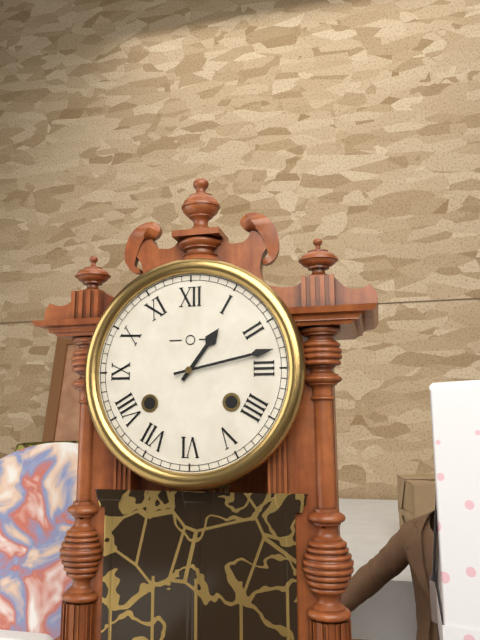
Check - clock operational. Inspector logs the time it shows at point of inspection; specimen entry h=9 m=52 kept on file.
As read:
h=1 m=13
